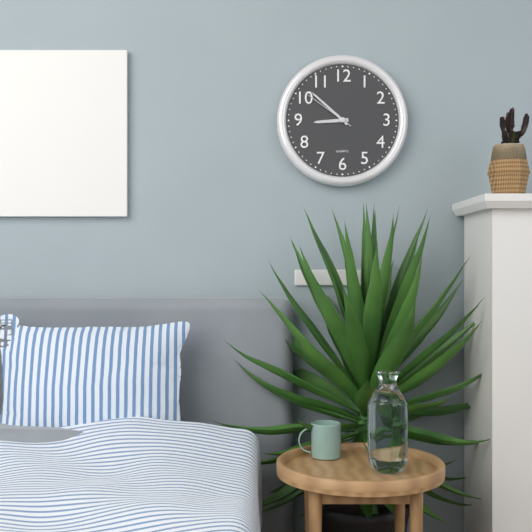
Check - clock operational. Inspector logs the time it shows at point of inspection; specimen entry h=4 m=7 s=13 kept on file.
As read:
h=8 m=52 s=51
